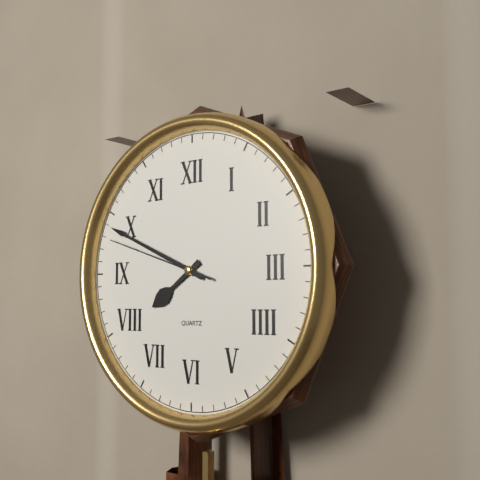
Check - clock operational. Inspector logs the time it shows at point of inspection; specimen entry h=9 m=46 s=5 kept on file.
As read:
h=7 m=49 s=48
